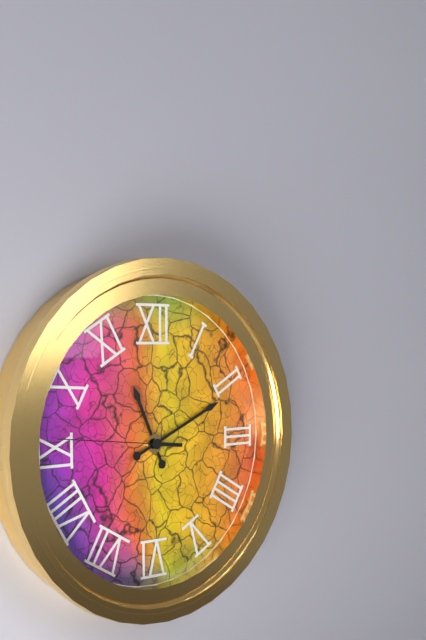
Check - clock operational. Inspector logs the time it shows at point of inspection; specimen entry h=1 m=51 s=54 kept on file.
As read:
h=11 m=11 s=46
